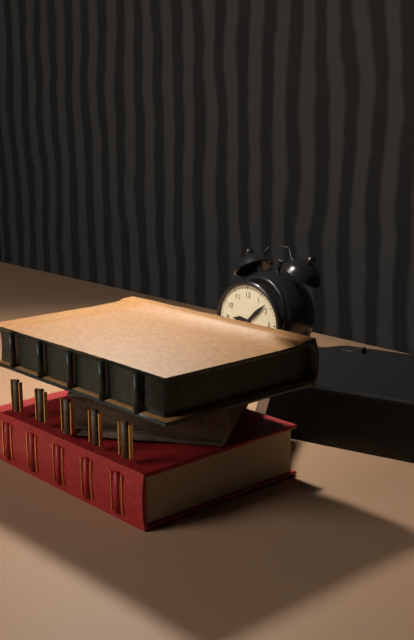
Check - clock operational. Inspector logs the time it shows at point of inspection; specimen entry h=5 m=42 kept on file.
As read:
h=9 m=8
